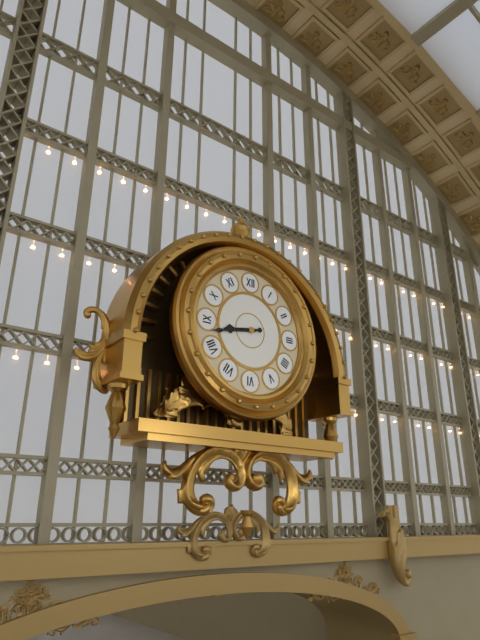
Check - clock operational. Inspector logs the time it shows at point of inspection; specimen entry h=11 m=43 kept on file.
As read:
h=8 m=43
